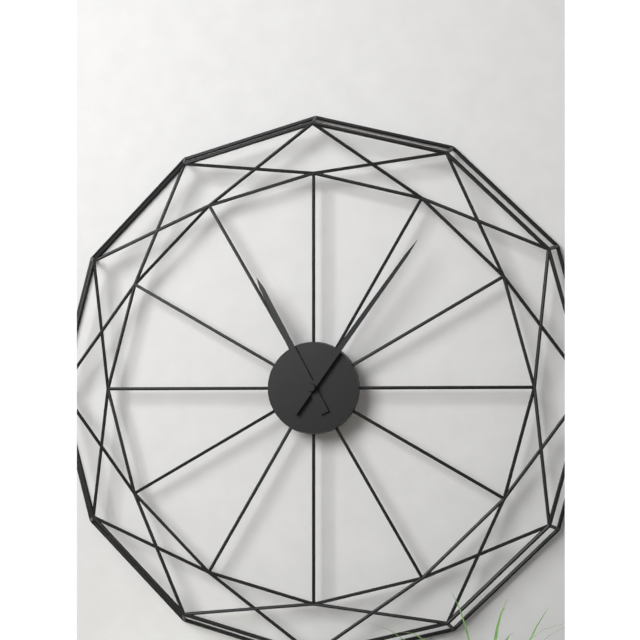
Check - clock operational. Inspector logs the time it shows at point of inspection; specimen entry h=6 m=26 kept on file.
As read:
h=11 m=6
